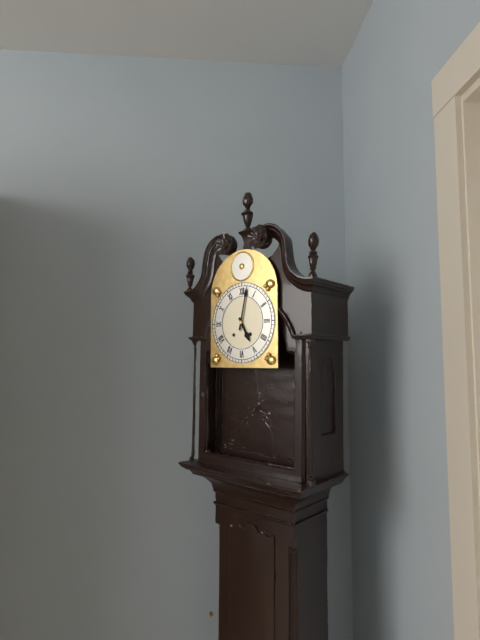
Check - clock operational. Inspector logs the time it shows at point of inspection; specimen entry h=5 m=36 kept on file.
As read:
h=5 m=2
